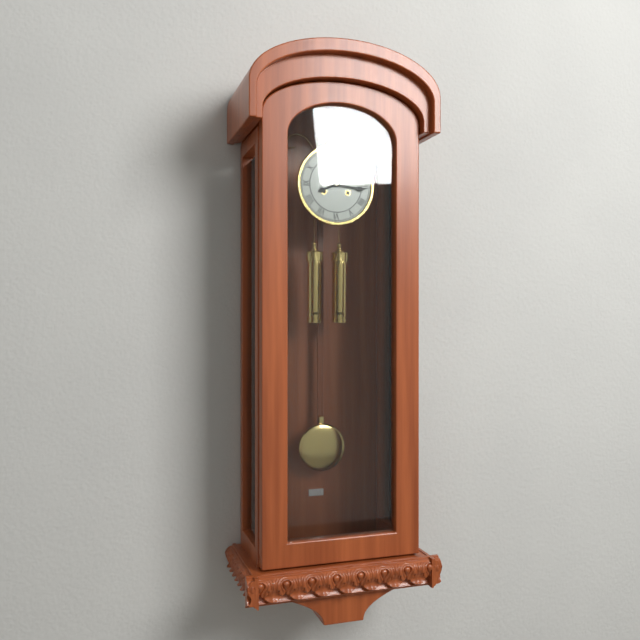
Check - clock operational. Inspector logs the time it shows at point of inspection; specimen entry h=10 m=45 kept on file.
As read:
h=8 m=16
